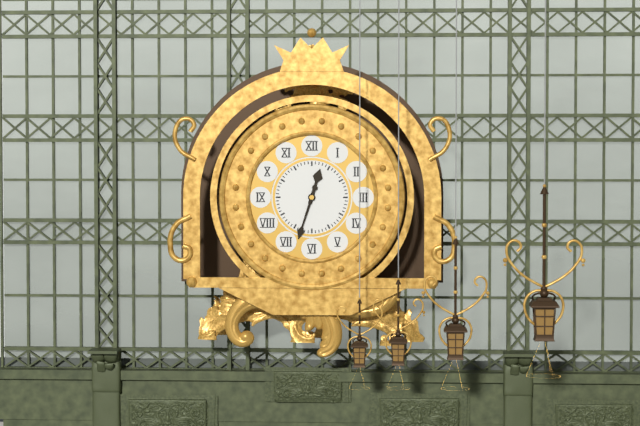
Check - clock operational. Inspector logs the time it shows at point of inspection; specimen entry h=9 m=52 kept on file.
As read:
h=12 m=33
